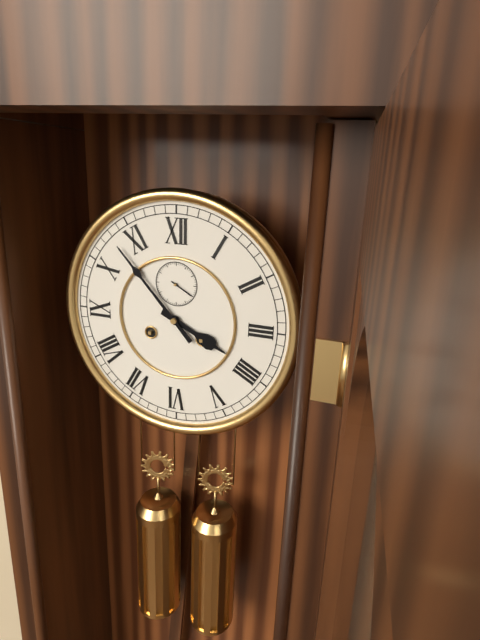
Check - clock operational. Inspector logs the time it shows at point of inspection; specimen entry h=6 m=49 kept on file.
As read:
h=3 m=53
